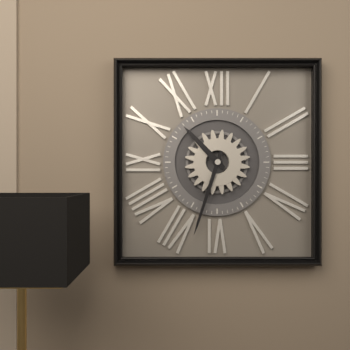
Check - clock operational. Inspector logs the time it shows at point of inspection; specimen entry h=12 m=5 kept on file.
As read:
h=10 m=33
